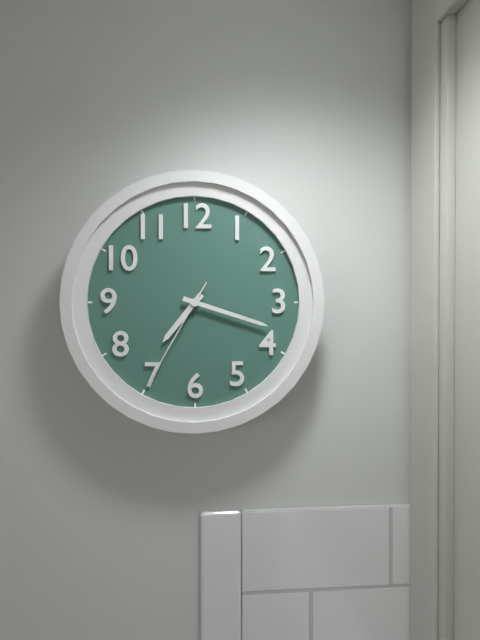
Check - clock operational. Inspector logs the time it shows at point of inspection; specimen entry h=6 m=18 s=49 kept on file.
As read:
h=7 m=18 s=35
